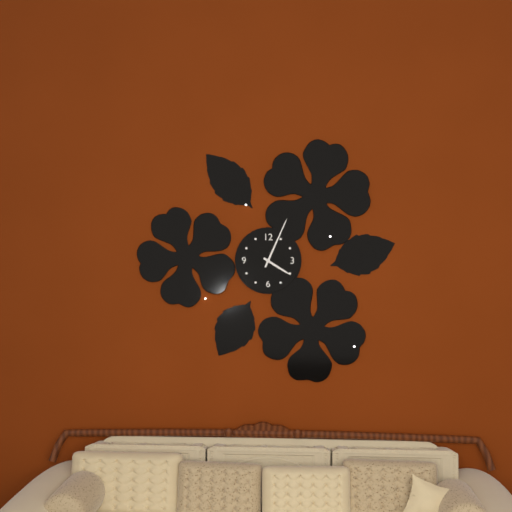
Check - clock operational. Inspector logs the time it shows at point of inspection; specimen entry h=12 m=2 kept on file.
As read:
h=4 m=4
